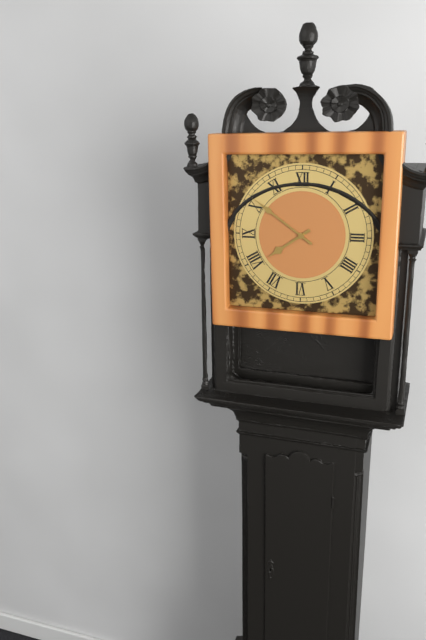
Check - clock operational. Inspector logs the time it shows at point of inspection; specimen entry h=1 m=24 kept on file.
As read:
h=7 m=51
